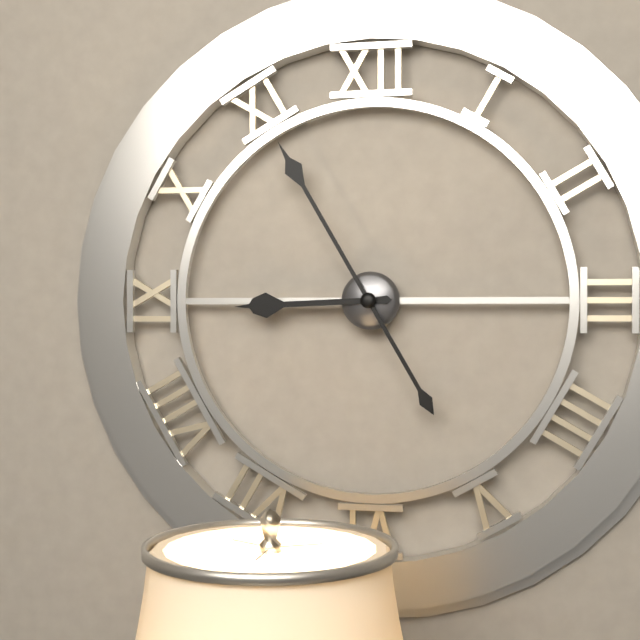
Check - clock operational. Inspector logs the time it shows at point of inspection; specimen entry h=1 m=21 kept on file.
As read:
h=8 m=55
